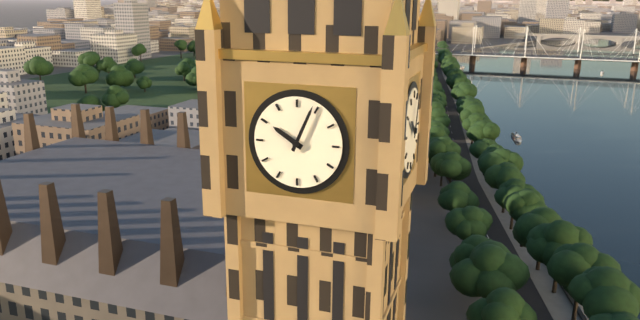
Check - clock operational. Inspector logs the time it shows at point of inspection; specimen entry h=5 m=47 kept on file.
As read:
h=10 m=4
